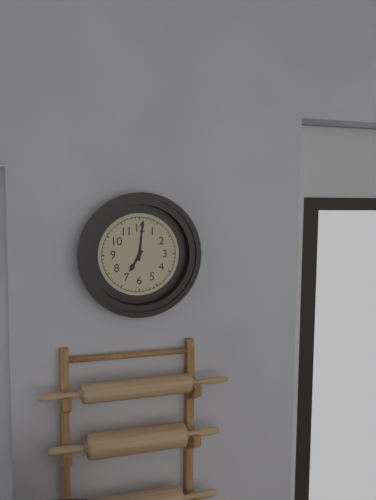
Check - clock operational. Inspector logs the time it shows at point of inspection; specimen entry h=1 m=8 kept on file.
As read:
h=7 m=1
